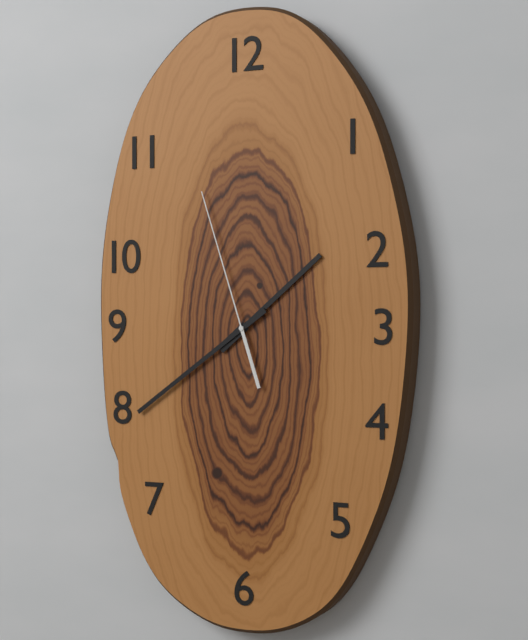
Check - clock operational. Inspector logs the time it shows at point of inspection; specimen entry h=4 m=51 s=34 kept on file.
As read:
h=1 m=39 s=57
